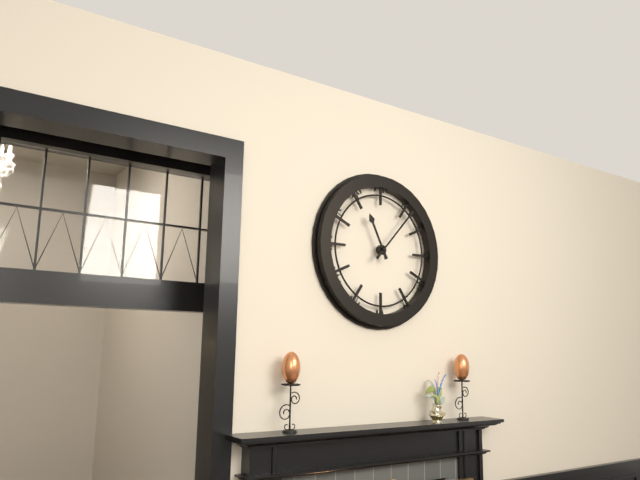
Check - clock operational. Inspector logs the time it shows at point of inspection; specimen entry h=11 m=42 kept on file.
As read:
h=11 m=7
